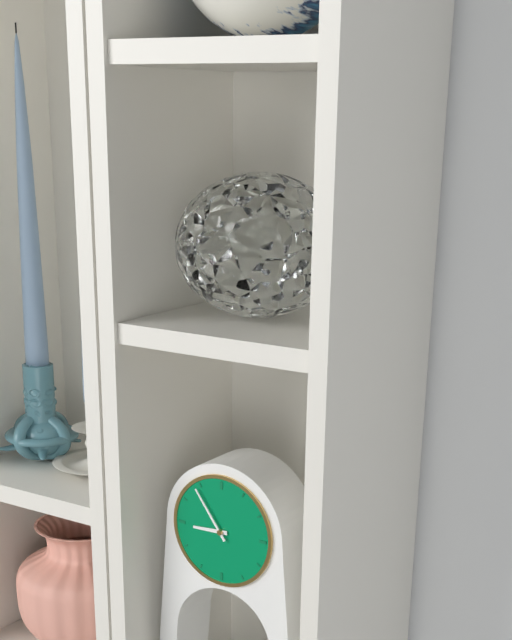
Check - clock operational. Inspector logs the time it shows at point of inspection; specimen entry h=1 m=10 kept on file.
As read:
h=8 m=54
